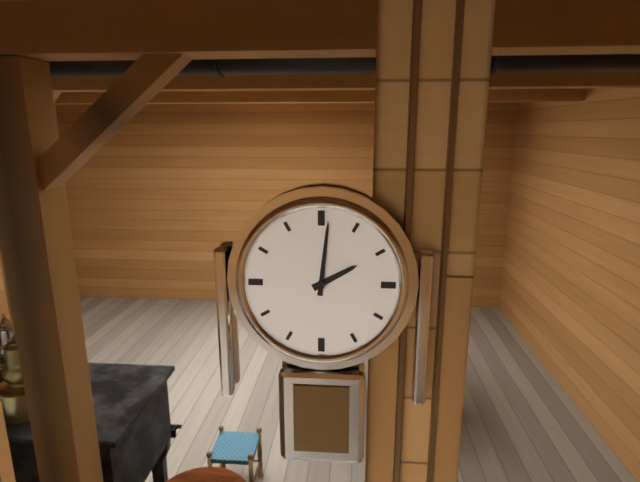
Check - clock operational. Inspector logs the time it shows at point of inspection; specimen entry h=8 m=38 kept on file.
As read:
h=2 m=1
